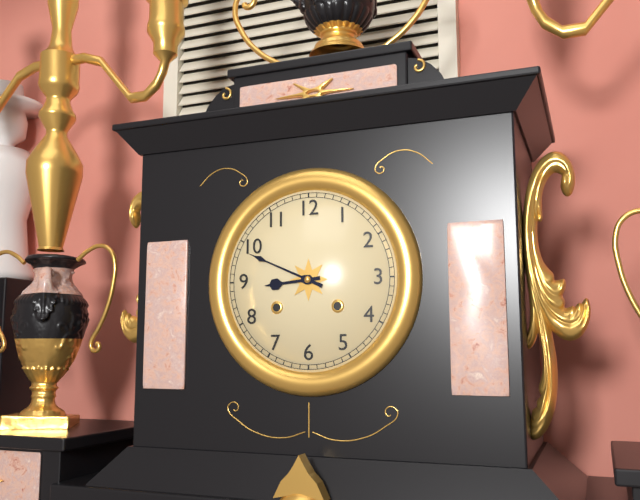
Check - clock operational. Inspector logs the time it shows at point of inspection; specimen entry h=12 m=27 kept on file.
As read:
h=8 m=49
